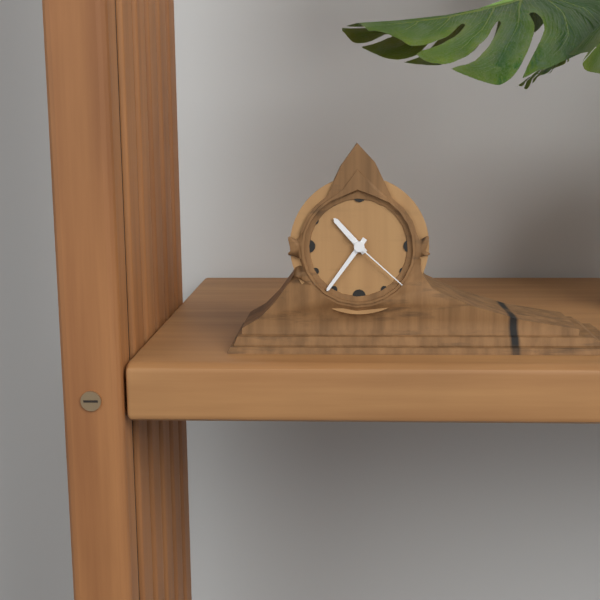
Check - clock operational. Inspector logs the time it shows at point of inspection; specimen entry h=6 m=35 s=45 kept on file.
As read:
h=10 m=36 s=22
